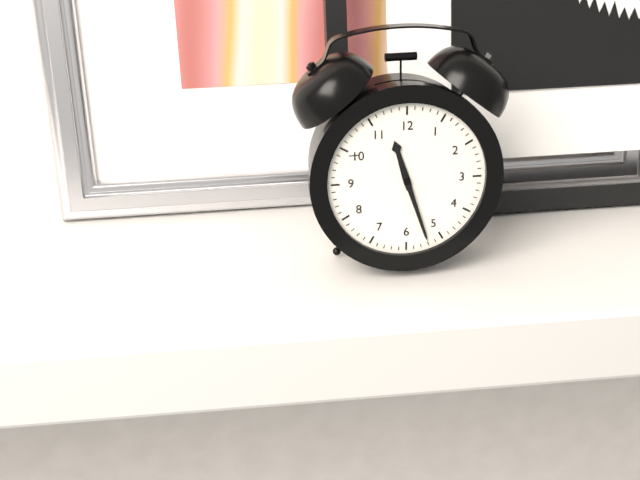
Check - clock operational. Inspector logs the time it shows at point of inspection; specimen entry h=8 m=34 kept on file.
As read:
h=11 m=27
